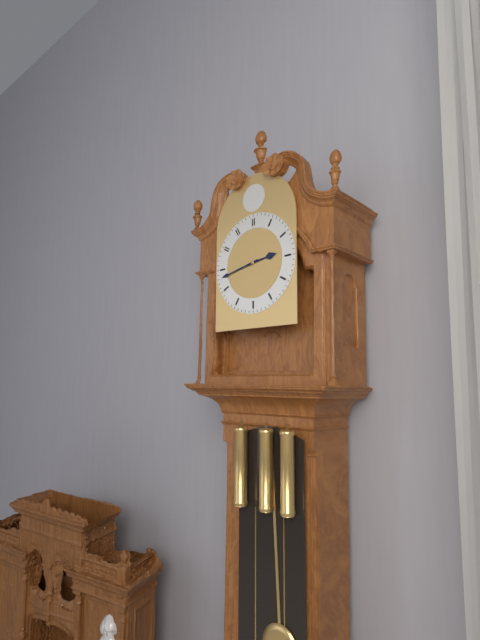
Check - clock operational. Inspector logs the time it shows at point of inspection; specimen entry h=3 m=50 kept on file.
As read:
h=2 m=43
